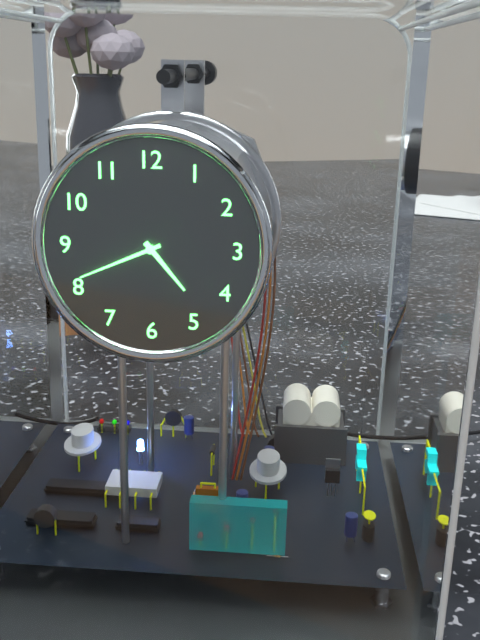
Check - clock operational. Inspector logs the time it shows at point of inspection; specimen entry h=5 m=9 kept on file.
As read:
h=4 m=41
